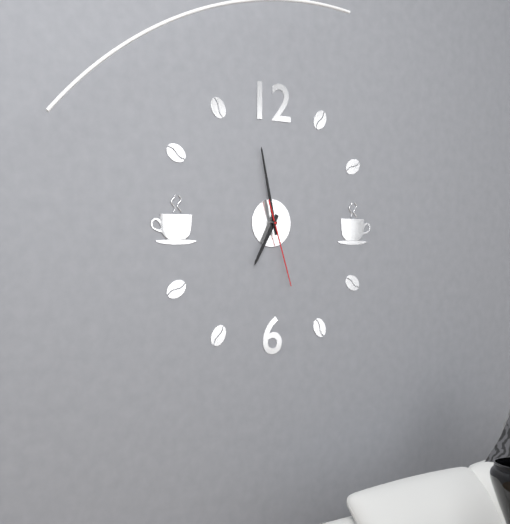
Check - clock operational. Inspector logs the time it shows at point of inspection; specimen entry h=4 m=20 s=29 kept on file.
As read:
h=6 m=58 s=27
